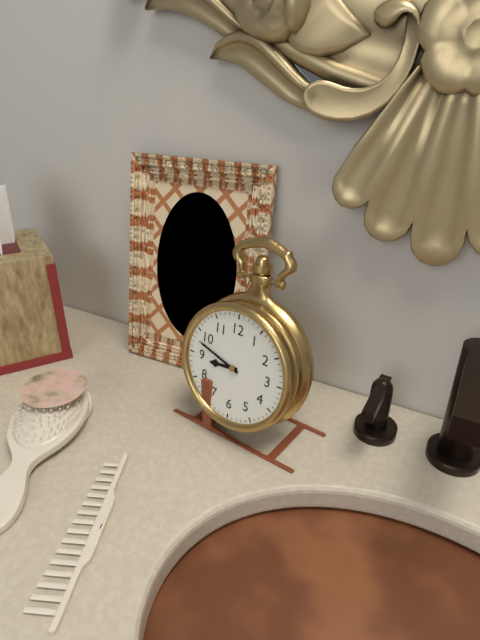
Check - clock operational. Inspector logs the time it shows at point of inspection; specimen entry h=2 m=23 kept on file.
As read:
h=8 m=48
